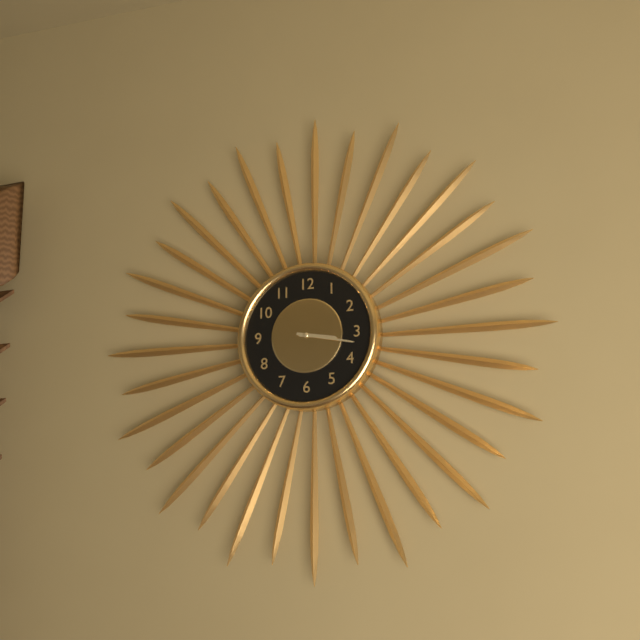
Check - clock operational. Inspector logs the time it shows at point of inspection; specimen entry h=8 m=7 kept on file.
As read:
h=3 m=17
